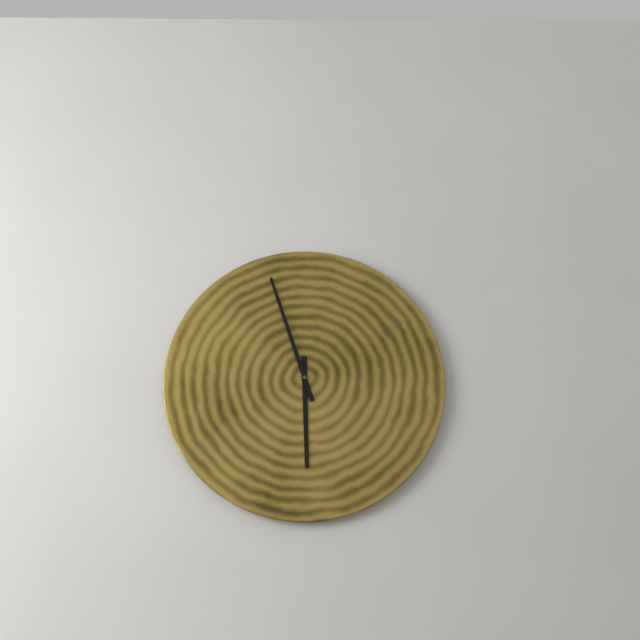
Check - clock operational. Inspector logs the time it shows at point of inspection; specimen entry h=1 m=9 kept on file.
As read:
h=5 m=57
